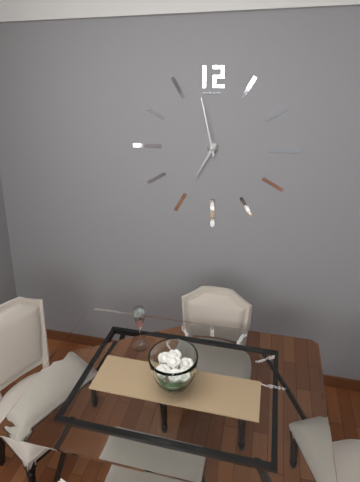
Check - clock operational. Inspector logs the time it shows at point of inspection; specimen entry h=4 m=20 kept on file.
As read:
h=6 m=58
